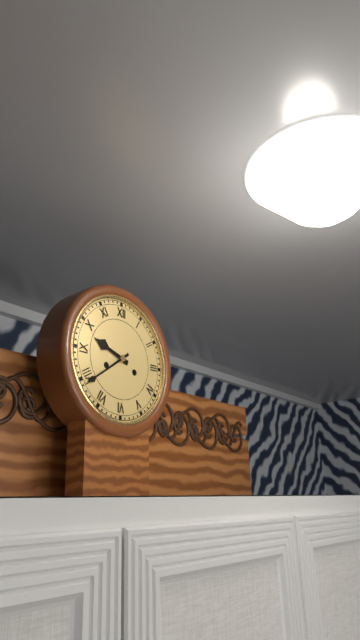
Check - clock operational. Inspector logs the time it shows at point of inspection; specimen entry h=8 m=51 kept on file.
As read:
h=9 m=39
